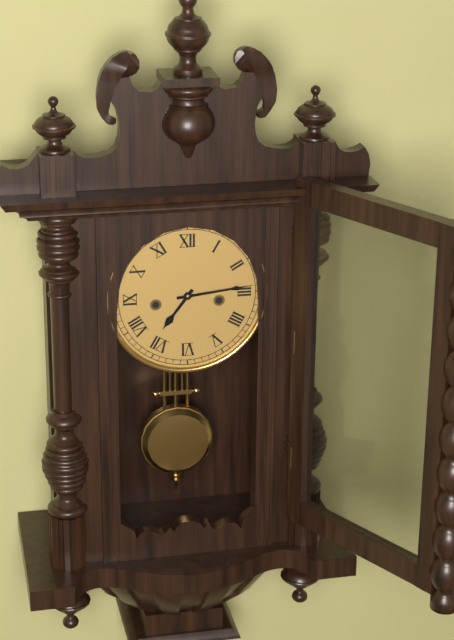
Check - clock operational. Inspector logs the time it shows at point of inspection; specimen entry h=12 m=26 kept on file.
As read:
h=7 m=14
